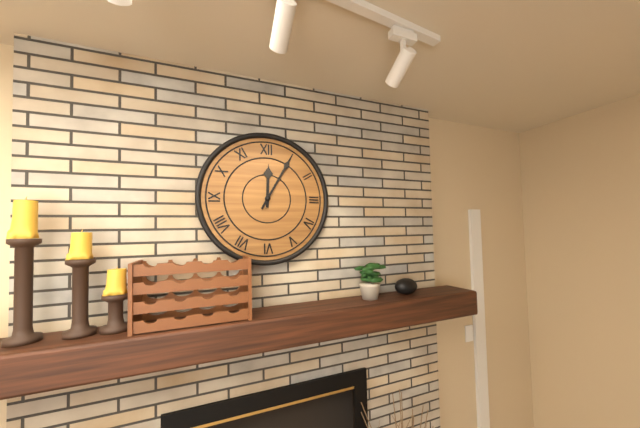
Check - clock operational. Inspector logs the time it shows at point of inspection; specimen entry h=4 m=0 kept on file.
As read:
h=12 m=5
